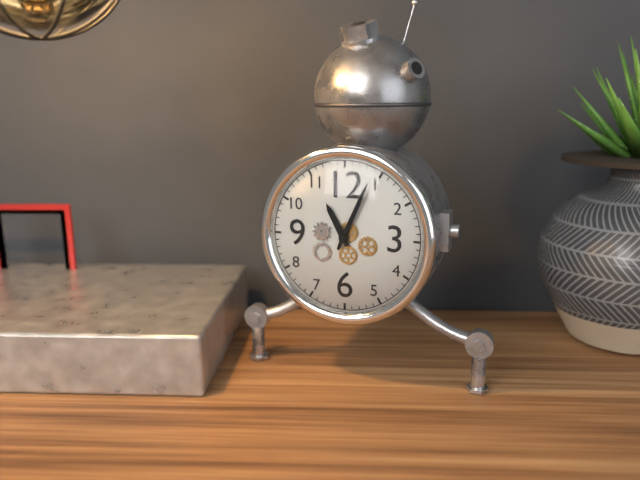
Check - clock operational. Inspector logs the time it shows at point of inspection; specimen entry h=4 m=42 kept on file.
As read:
h=11 m=4
